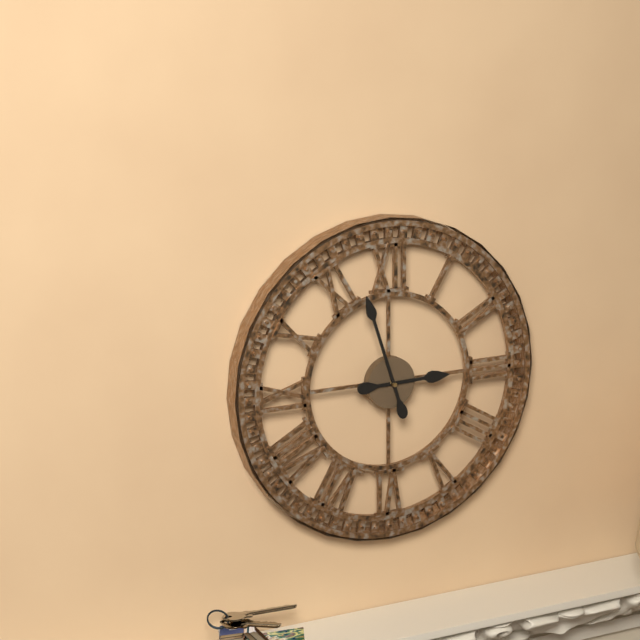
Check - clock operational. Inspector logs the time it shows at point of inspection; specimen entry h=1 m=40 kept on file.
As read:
h=2 m=57
